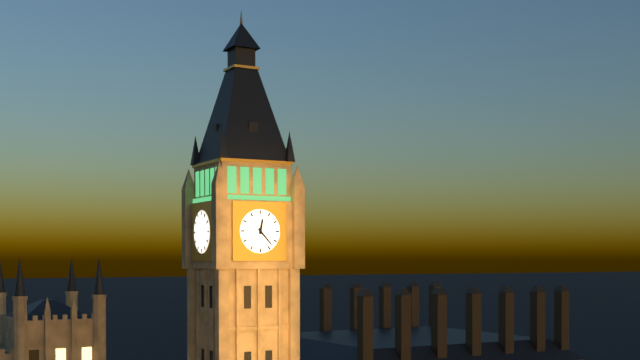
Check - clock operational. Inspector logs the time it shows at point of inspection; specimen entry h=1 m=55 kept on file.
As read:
h=12 m=23
